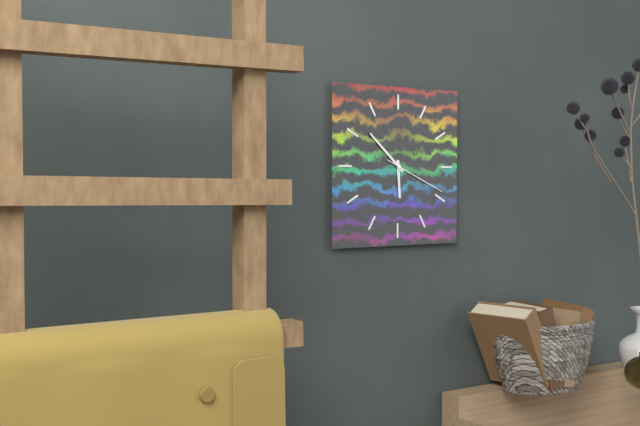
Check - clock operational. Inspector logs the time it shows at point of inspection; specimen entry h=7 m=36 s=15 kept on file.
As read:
h=5 m=52 s=19
